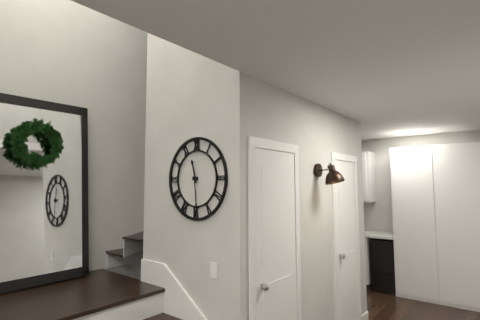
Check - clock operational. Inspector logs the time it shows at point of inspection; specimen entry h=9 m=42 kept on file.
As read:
h=11 m=29
